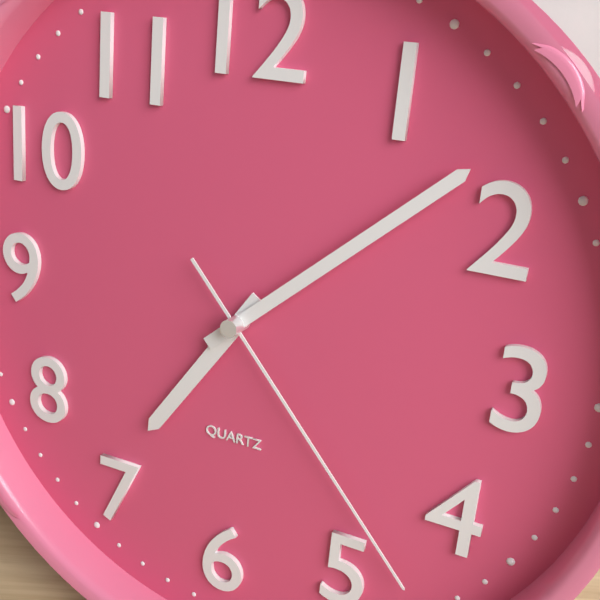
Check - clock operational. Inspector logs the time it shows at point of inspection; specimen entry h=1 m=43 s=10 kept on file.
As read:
h=7 m=8 s=23
